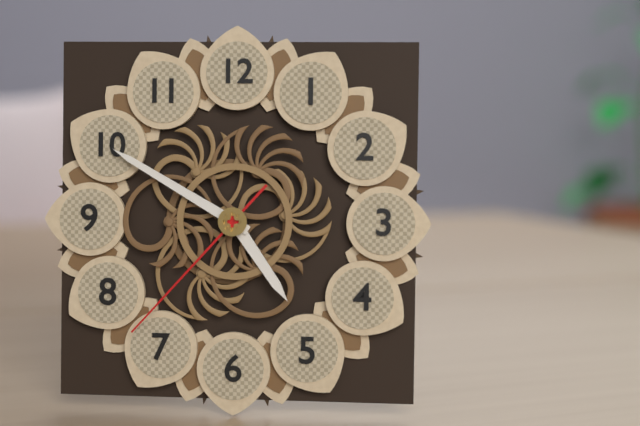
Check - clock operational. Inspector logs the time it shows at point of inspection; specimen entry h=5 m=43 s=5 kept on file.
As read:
h=4 m=50 s=37
